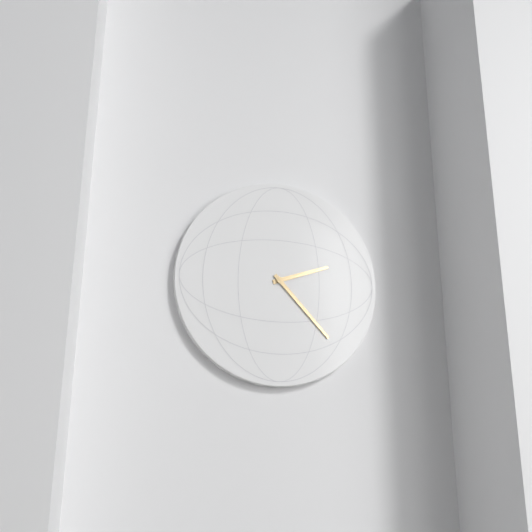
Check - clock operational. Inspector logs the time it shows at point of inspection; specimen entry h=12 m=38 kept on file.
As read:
h=2 m=23
